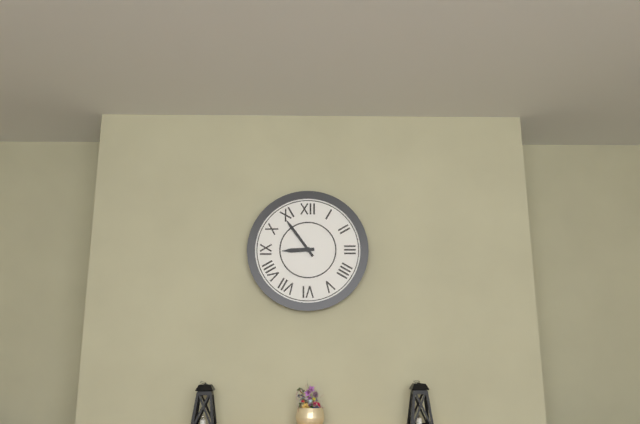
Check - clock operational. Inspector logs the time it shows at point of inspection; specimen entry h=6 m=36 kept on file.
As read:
h=8 m=54
